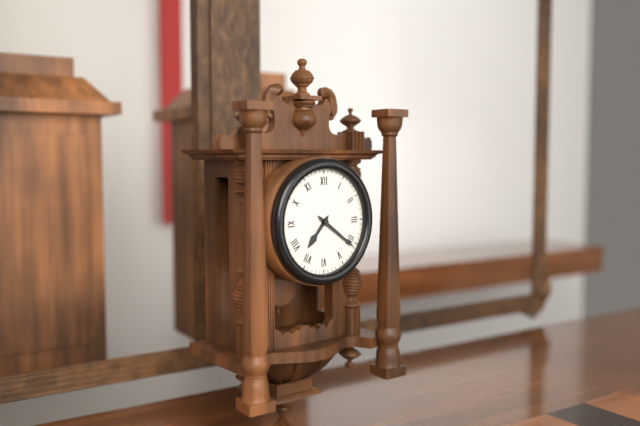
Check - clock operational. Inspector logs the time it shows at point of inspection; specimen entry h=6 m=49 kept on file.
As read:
h=7 m=21
